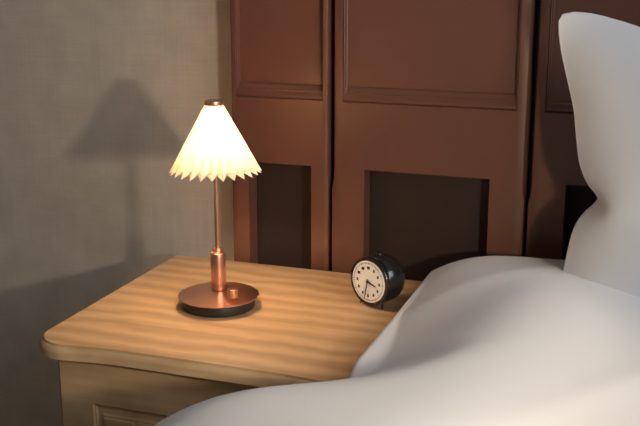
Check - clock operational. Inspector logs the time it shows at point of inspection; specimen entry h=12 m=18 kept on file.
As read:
h=3 m=32
